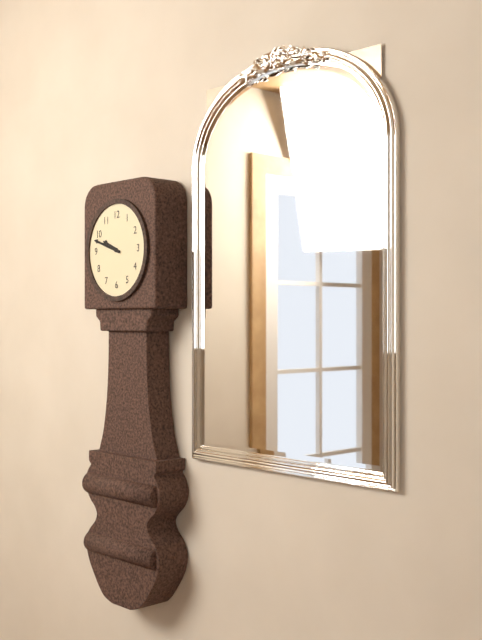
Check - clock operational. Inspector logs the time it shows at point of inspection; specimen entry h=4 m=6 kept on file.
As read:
h=9 m=48
